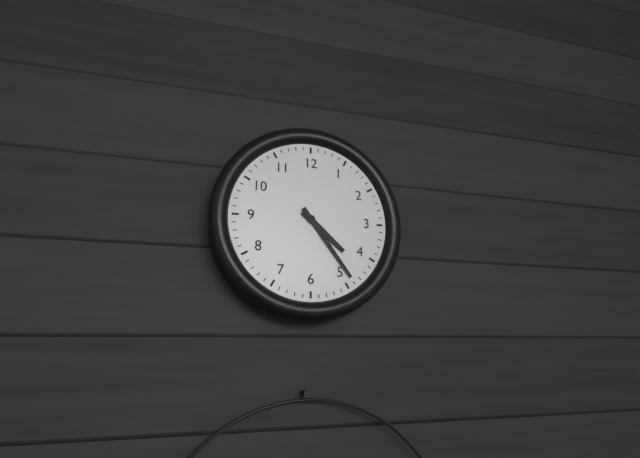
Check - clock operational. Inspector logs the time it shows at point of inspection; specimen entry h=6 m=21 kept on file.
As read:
h=4 m=24
